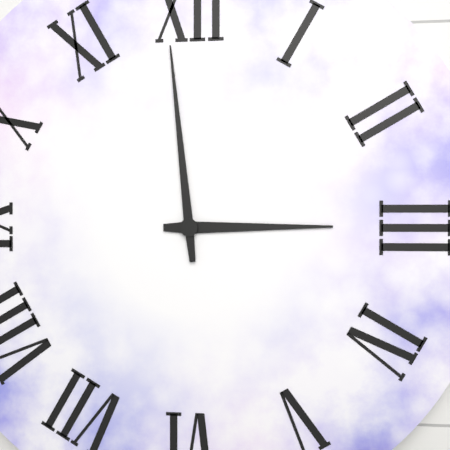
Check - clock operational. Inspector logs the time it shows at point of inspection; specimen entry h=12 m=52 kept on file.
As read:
h=2 m=59
